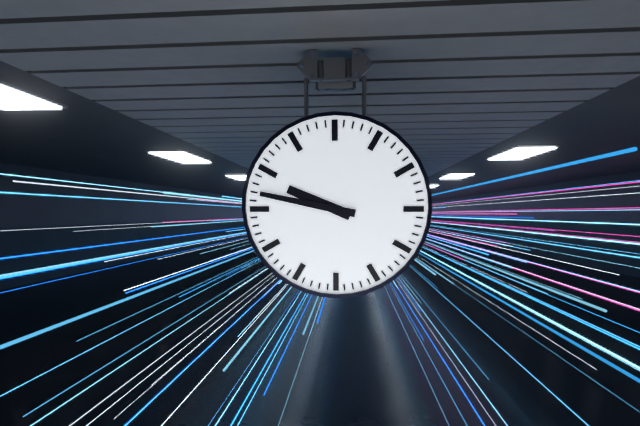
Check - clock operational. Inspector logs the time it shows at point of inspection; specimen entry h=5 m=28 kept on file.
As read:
h=9 m=47
